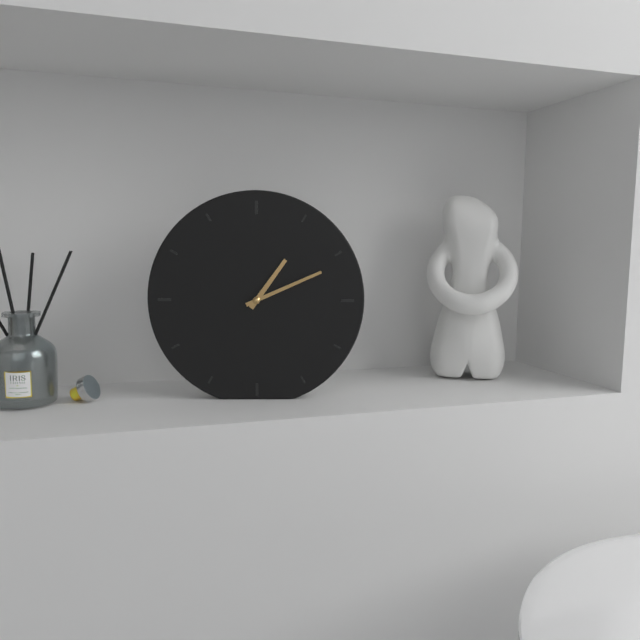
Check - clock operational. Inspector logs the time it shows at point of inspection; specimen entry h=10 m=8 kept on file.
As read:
h=1 m=11
